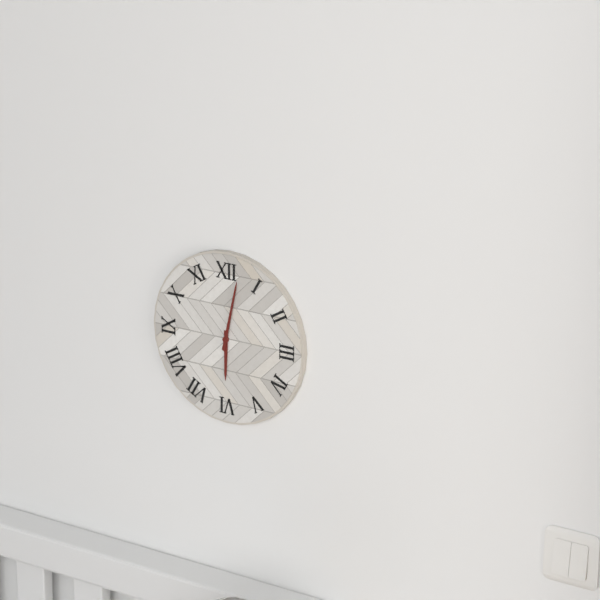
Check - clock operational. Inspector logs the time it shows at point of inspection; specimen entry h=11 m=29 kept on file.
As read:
h=6 m=2
